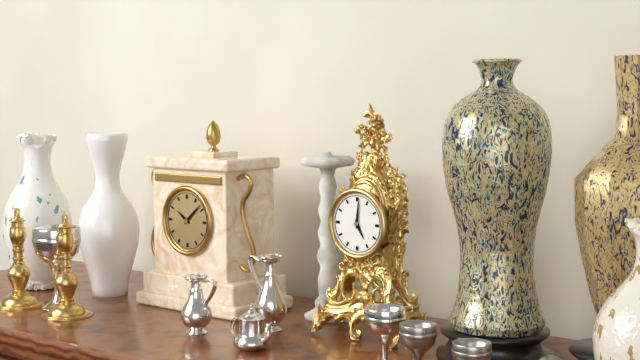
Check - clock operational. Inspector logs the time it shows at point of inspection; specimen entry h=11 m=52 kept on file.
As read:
h=5 m=1
